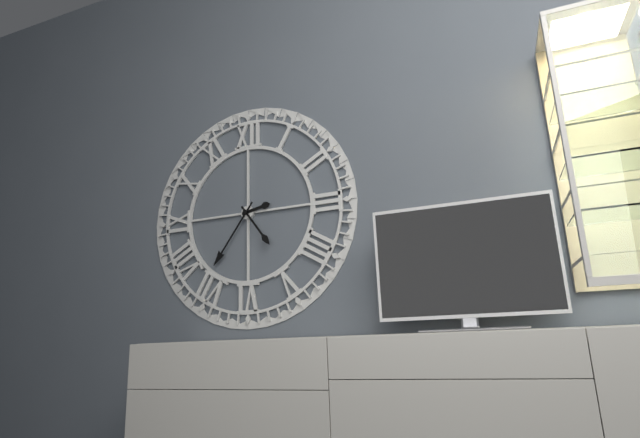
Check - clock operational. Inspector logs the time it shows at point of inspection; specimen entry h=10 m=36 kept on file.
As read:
h=2 m=36
